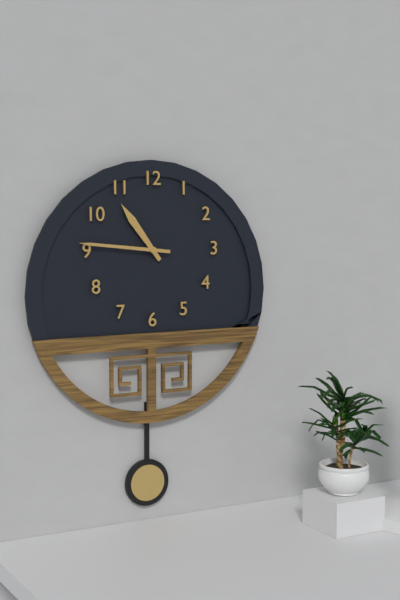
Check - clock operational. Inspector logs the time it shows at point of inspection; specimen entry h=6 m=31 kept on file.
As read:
h=10 m=46
